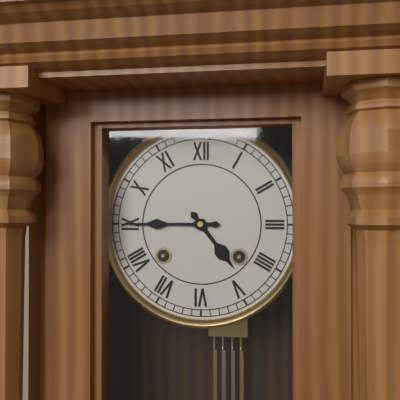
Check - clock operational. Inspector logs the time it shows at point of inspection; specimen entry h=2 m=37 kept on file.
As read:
h=4 m=45
